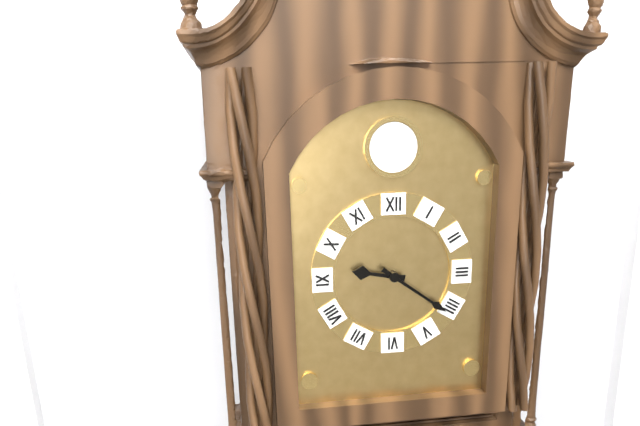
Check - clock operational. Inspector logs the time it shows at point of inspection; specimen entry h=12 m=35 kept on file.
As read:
h=9 m=21
